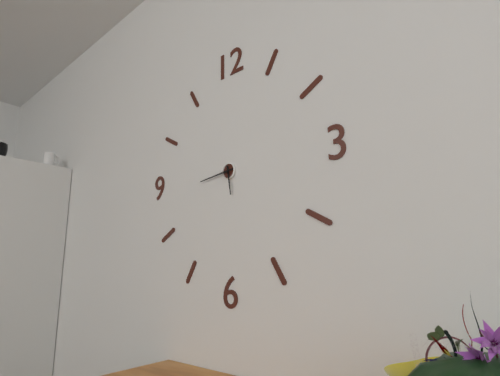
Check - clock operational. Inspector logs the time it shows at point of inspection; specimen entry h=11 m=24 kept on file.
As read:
h=5 m=44
